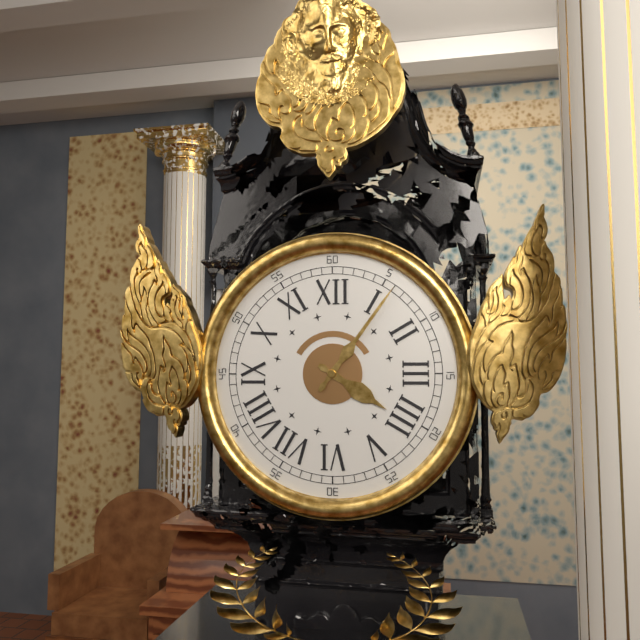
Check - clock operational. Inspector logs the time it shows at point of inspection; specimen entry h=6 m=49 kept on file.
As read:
h=4 m=6
